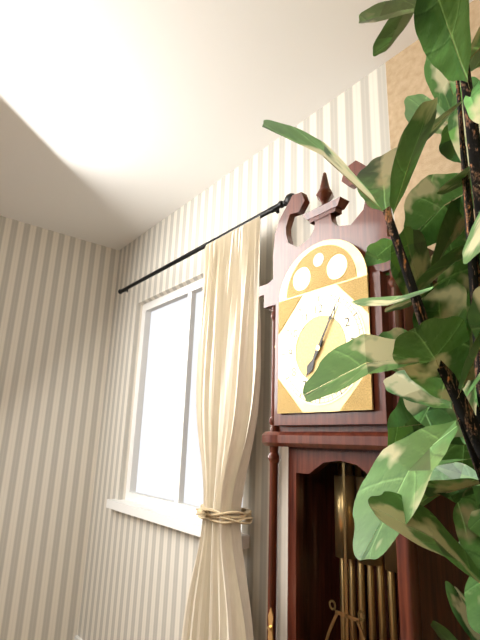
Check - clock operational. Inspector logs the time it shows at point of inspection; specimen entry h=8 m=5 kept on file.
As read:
h=7 m=5
